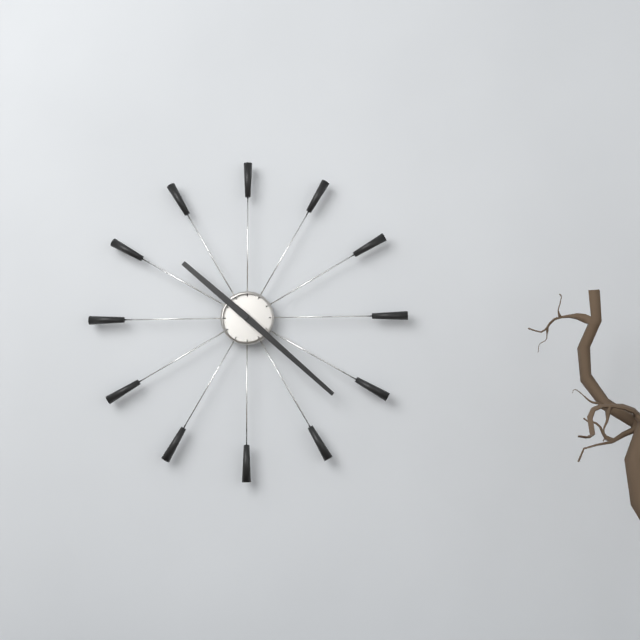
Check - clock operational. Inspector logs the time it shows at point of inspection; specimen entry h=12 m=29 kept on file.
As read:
h=10 m=22
